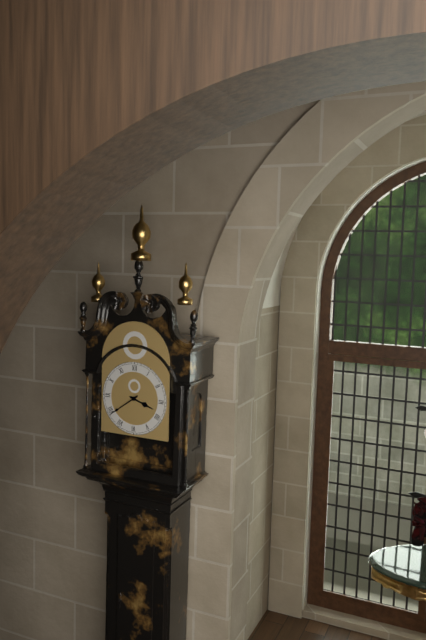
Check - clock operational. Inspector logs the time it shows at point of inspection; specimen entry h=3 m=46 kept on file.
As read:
h=3 m=39
